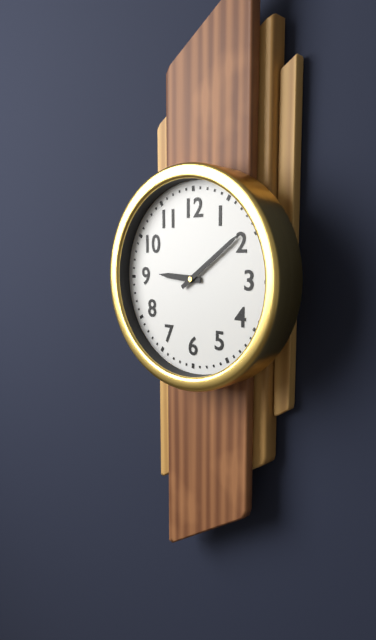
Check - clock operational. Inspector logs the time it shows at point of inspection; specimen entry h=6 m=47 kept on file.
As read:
h=9 m=9
